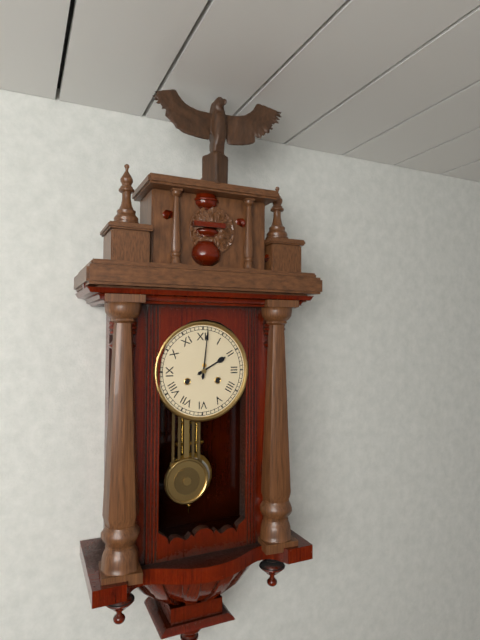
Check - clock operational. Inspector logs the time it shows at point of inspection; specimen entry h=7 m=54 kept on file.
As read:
h=2 m=1
